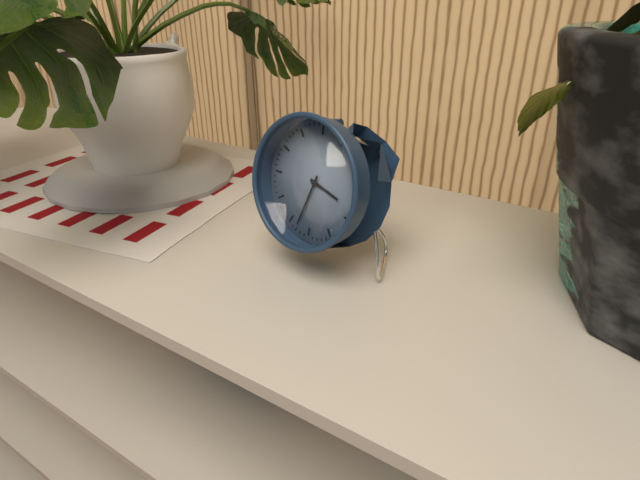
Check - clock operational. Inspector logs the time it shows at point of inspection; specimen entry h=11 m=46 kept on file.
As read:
h=3 m=33
